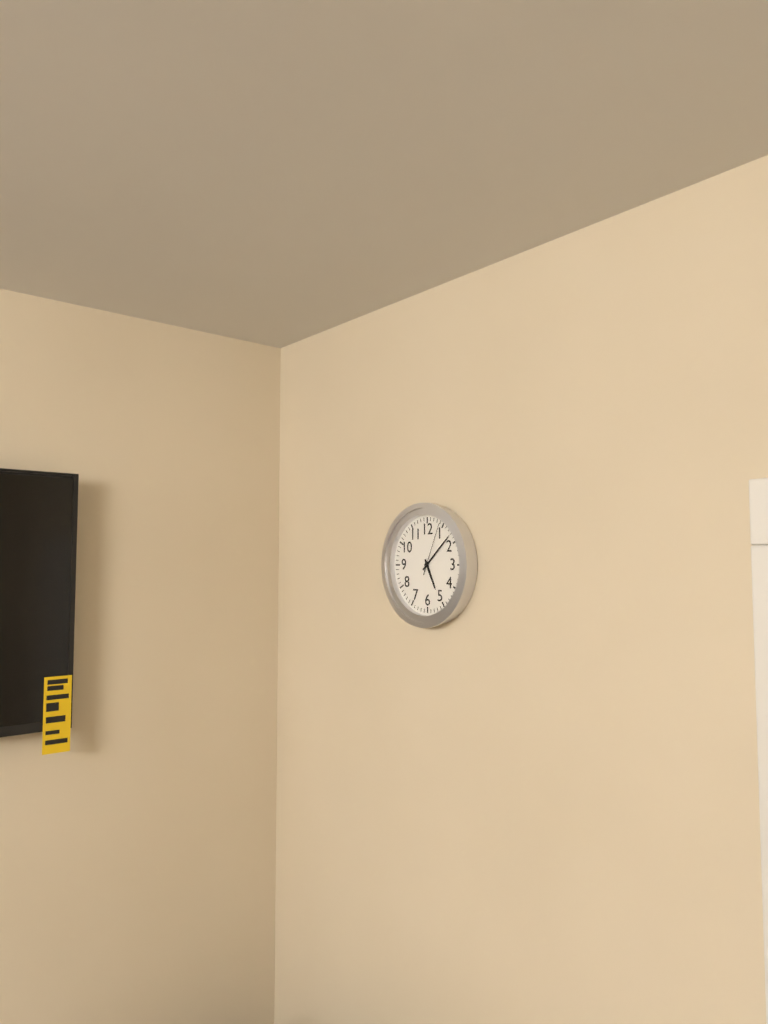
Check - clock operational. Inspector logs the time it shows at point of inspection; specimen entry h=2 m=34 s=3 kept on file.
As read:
h=5 m=8 s=4
